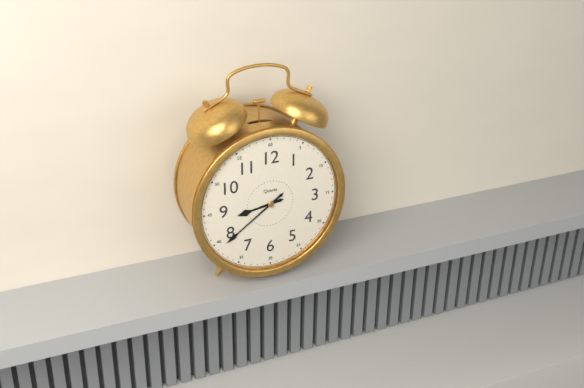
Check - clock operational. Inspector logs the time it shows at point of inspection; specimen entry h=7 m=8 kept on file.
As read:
h=8 m=39
